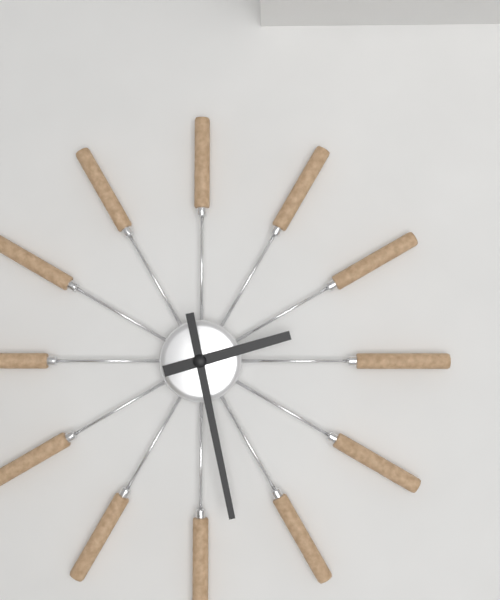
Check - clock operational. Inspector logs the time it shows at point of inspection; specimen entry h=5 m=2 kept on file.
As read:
h=2 m=28
